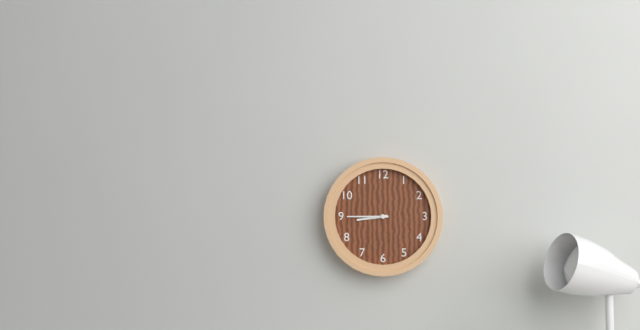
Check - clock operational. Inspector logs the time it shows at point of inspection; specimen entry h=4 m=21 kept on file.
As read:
h=8 m=45
